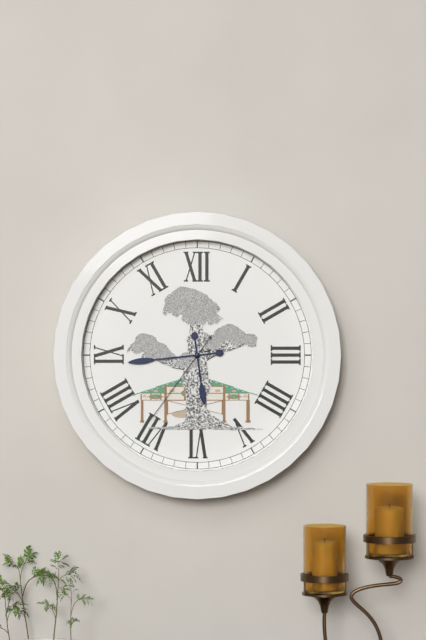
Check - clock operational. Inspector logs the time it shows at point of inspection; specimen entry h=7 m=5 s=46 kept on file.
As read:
h=5 m=44 s=36
